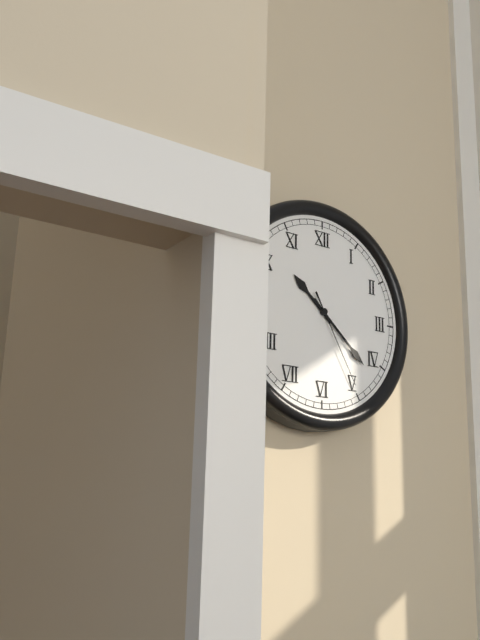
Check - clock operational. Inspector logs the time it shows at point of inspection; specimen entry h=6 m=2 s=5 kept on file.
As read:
h=10 m=22 s=25
